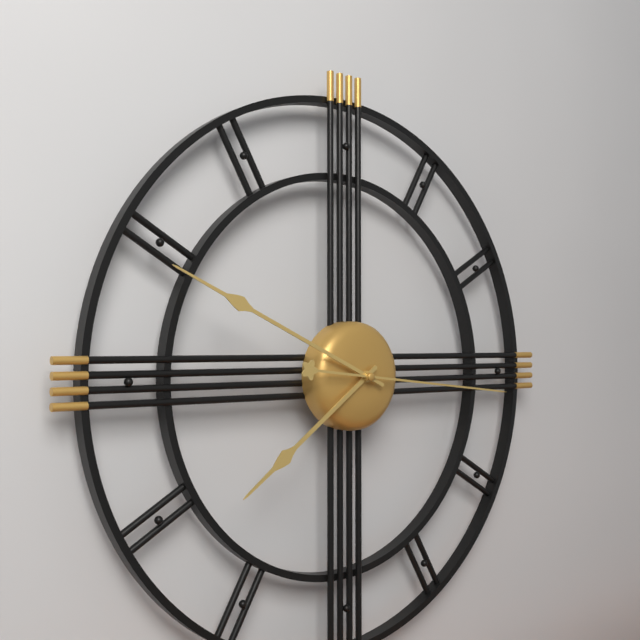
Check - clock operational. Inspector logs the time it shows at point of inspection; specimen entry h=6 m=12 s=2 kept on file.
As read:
h=7 m=49 s=16
